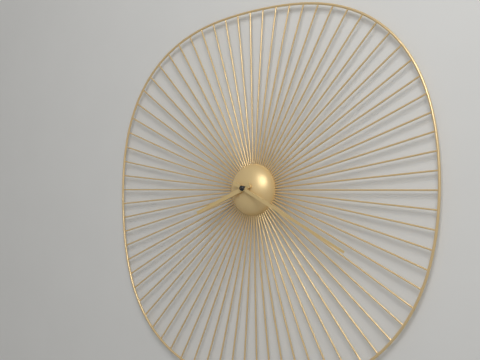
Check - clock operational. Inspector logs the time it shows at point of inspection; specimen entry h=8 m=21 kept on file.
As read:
h=8 m=20
